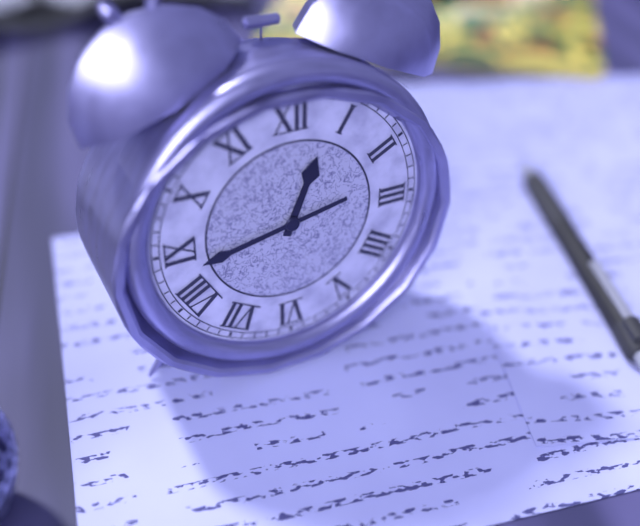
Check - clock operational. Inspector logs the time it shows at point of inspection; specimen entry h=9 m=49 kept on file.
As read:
h=12 m=43
